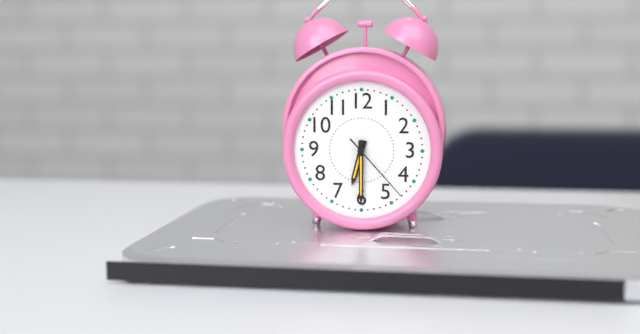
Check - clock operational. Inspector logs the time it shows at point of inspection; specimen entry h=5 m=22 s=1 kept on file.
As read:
h=6 m=30 s=23
